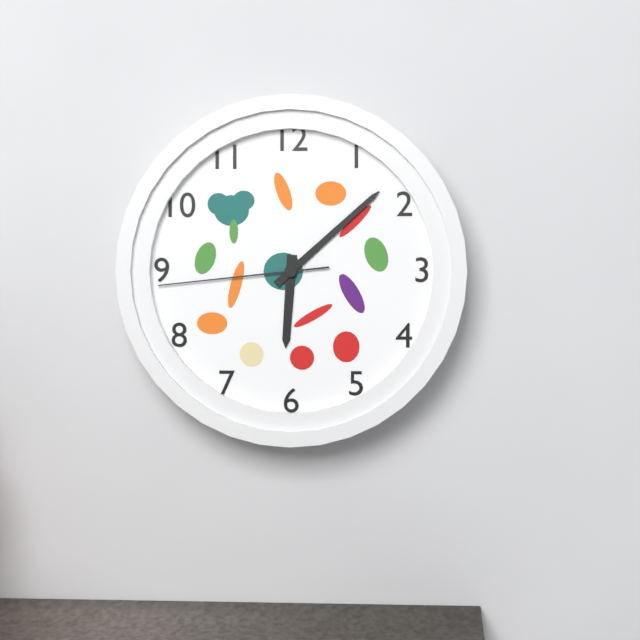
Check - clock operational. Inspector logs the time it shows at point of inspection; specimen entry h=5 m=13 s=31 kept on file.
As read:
h=6 m=8 s=44
